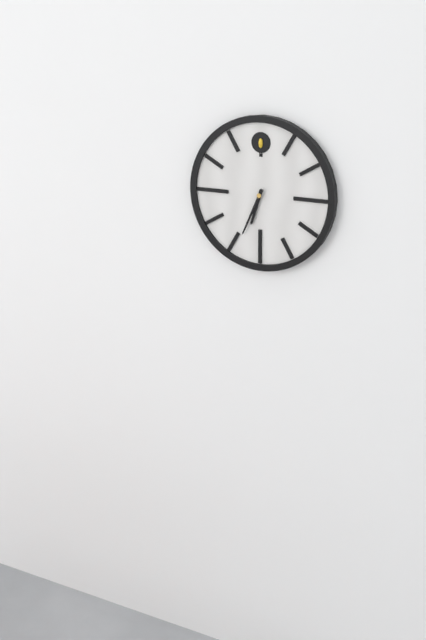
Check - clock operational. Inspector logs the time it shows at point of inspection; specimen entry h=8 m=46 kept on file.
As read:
h=6 m=34
